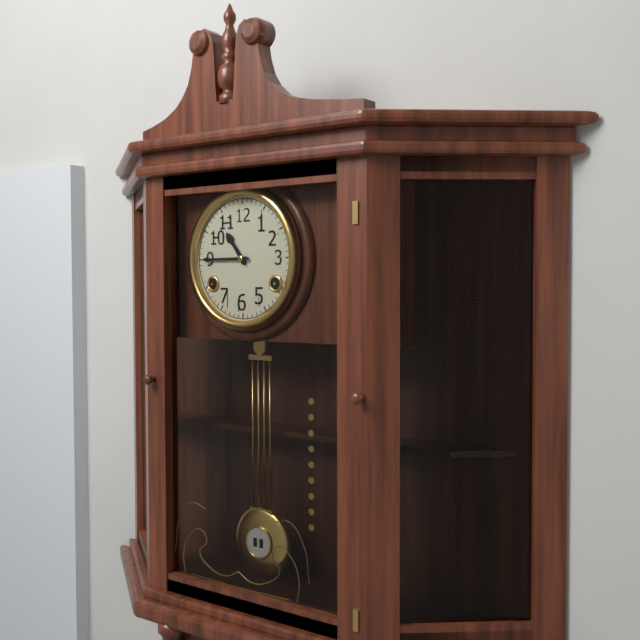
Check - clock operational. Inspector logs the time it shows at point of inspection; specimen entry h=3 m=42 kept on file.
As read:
h=10 m=45
